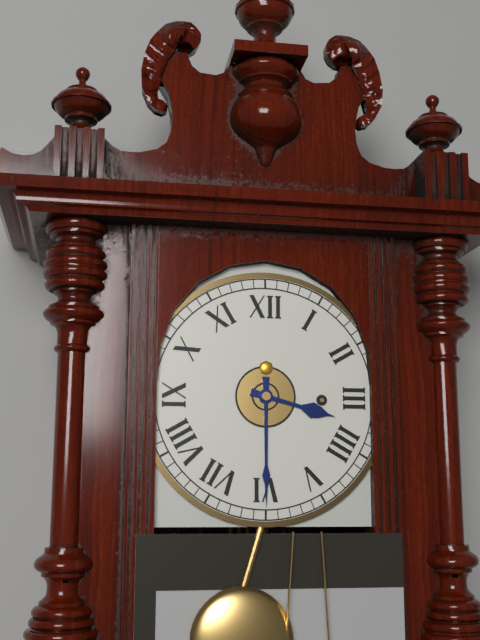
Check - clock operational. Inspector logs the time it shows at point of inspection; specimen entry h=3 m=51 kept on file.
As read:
h=3 m=30
